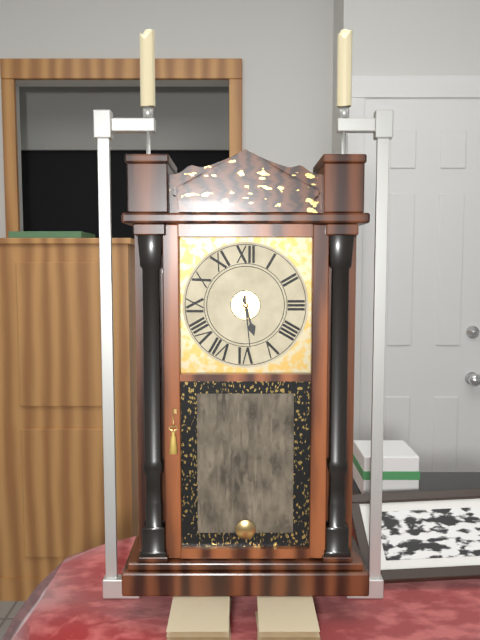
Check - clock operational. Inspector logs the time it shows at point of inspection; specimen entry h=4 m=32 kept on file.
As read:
h=5 m=29
